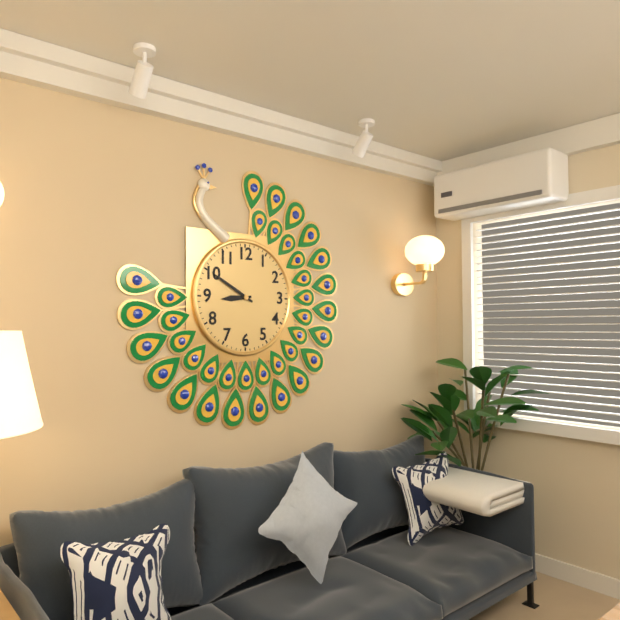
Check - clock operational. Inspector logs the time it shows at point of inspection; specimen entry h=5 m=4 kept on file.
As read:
h=8 m=50
